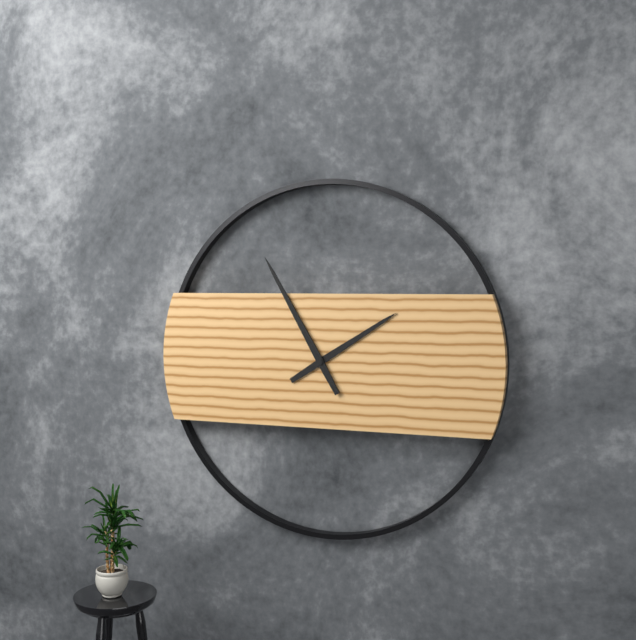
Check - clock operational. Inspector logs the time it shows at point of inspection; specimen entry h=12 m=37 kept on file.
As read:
h=1 m=55
